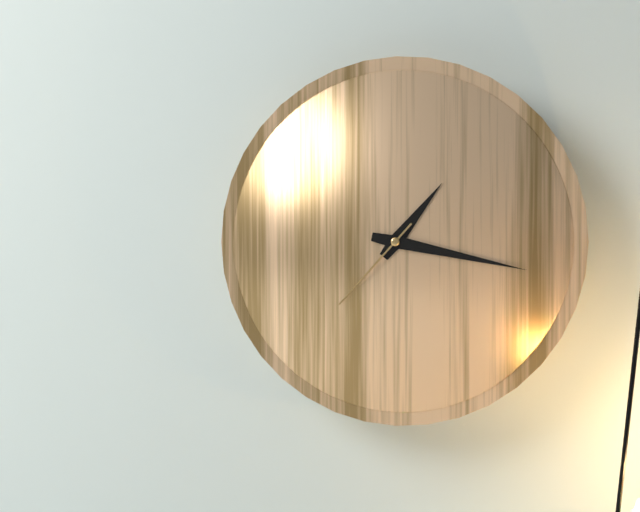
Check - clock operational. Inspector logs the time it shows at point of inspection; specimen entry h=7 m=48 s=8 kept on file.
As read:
h=1 m=17 s=37
